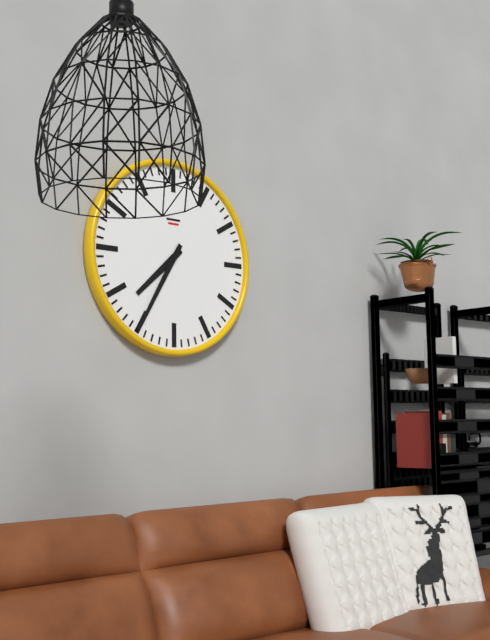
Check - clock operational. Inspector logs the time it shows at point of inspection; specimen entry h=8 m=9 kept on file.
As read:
h=7 m=35
